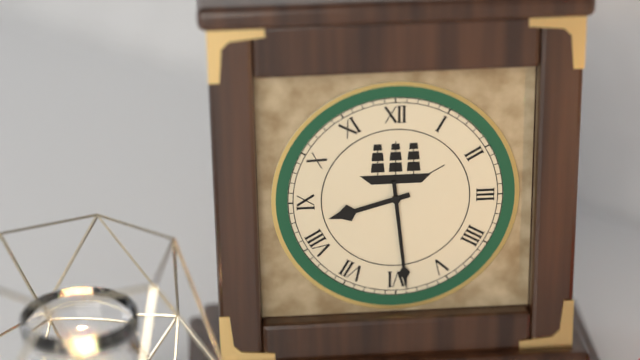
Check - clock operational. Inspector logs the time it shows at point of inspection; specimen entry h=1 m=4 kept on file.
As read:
h=8 m=29
